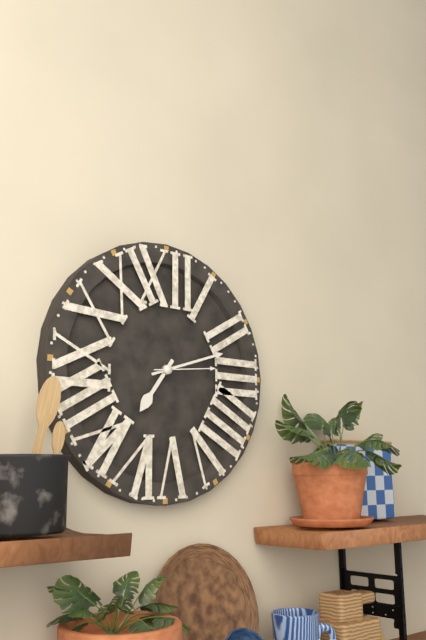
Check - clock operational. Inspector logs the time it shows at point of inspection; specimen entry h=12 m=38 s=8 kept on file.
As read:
h=7 m=12 s=14
